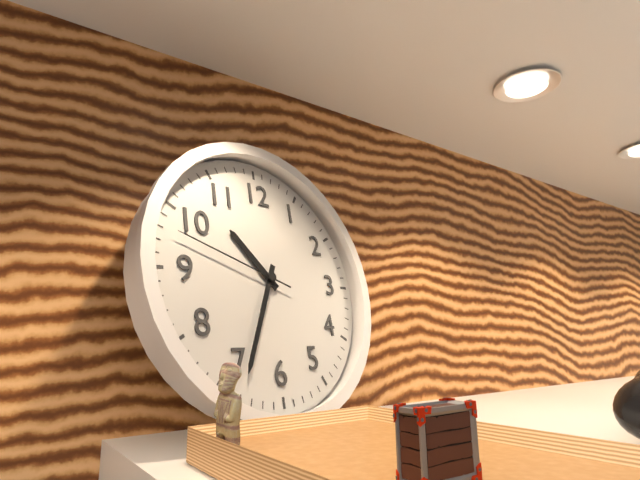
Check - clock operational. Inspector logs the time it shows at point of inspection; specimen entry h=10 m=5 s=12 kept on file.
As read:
h=10 m=34 s=48
